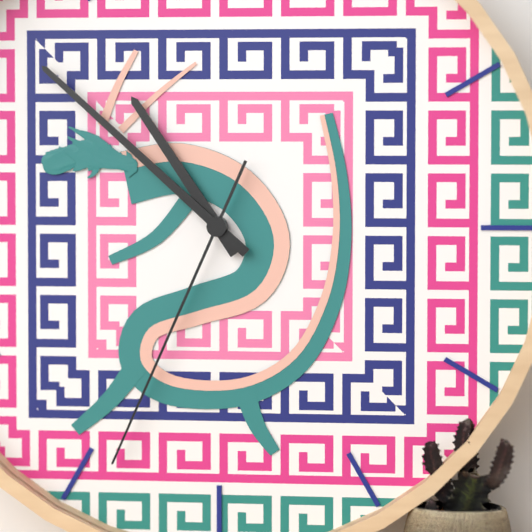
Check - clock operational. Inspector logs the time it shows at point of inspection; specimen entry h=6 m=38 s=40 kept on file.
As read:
h=10 m=52 s=34
